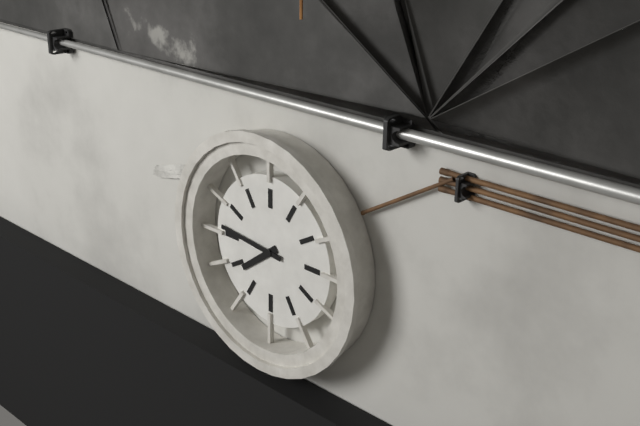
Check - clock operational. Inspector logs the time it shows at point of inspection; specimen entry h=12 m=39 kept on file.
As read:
h=7 m=46
